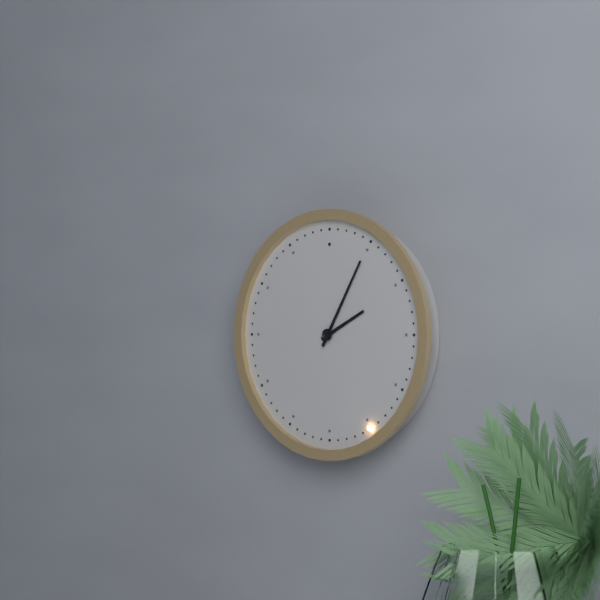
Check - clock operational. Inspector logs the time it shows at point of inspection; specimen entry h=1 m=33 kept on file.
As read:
h=2 m=5
